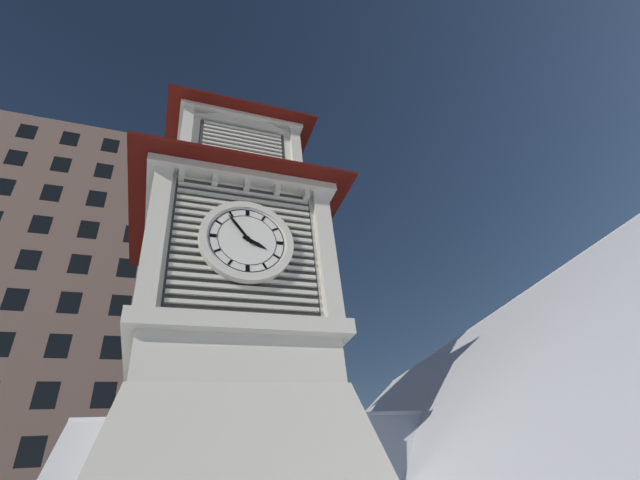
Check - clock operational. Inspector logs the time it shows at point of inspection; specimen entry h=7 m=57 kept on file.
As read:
h=3 m=54
